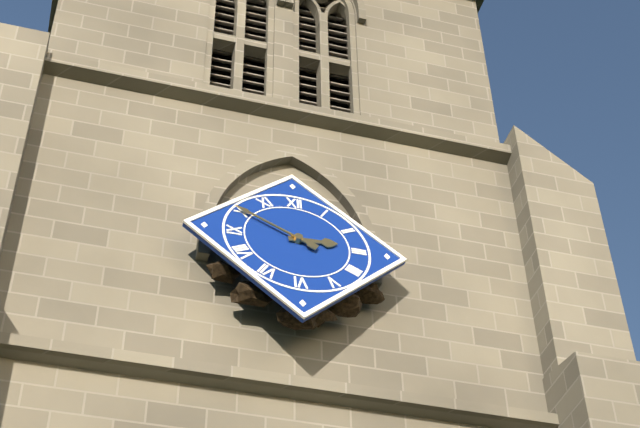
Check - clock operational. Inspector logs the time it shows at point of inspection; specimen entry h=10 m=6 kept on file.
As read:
h=2 m=50
